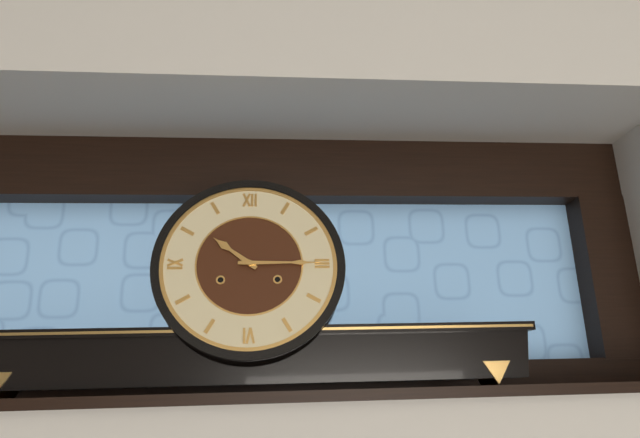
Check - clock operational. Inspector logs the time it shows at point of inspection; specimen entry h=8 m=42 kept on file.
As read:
h=10 m=15
